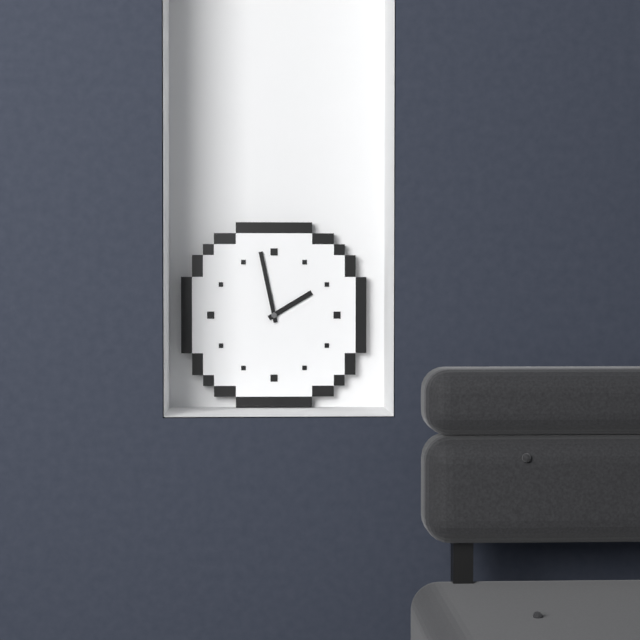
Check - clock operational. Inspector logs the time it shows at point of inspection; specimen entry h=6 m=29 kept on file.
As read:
h=1 m=58
